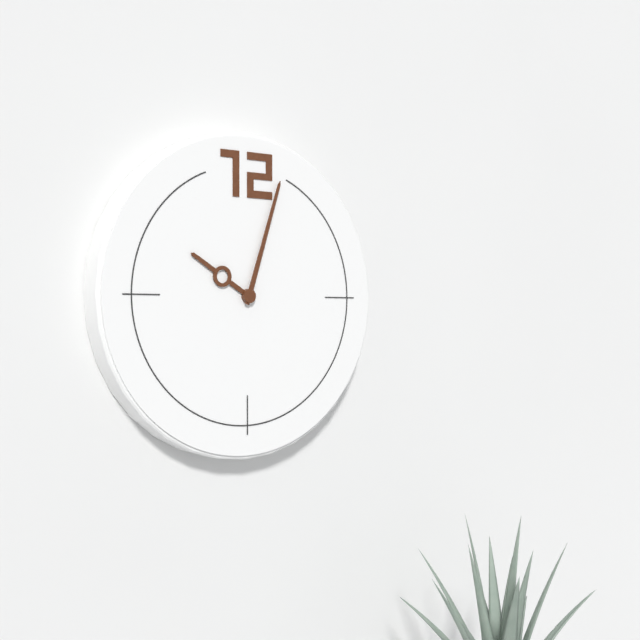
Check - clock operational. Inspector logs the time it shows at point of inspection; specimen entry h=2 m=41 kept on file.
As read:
h=10 m=3
